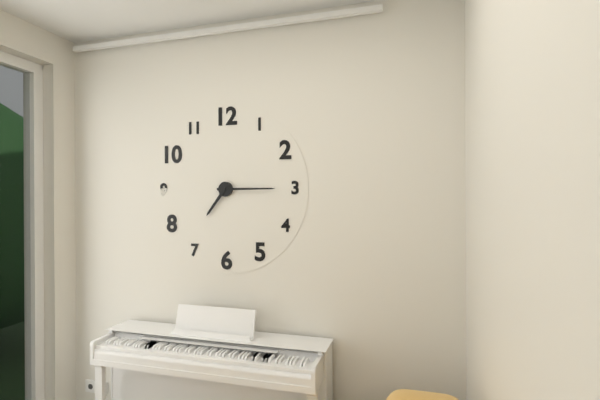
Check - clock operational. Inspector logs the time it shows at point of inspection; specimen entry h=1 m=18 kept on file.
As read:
h=7 m=15
